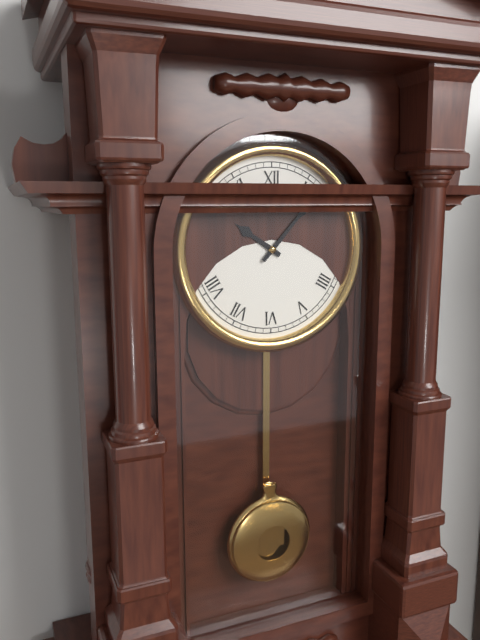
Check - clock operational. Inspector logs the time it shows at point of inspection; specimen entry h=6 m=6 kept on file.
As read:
h=10 m=7
